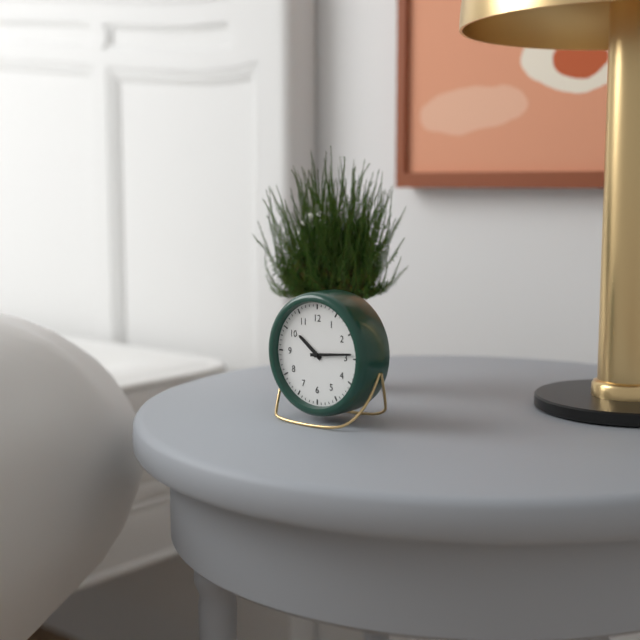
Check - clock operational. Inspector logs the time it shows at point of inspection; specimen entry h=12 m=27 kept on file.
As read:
h=10 m=14
